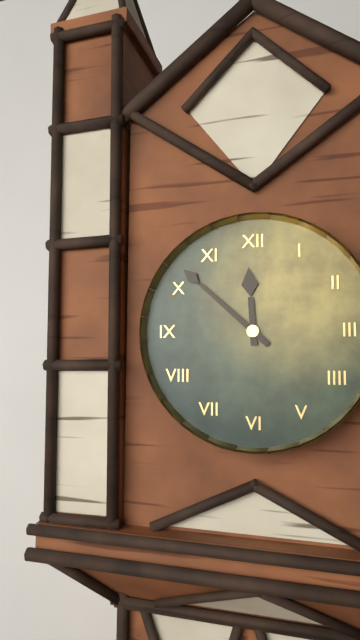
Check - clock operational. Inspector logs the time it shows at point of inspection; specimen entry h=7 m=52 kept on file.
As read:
h=11 m=52
